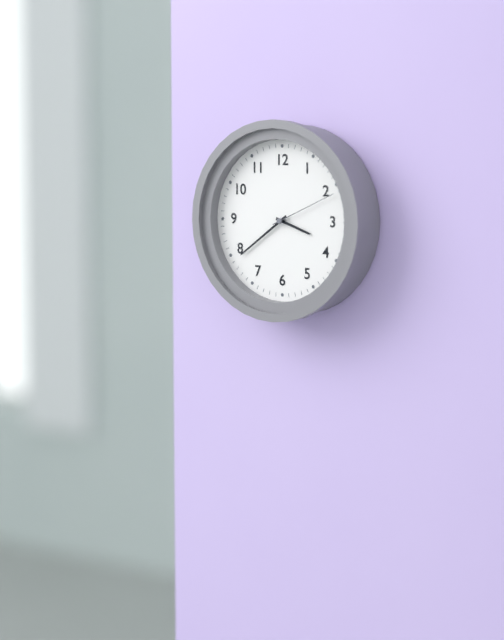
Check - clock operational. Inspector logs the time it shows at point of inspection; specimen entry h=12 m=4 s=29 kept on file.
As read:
h=3 m=39 s=11
